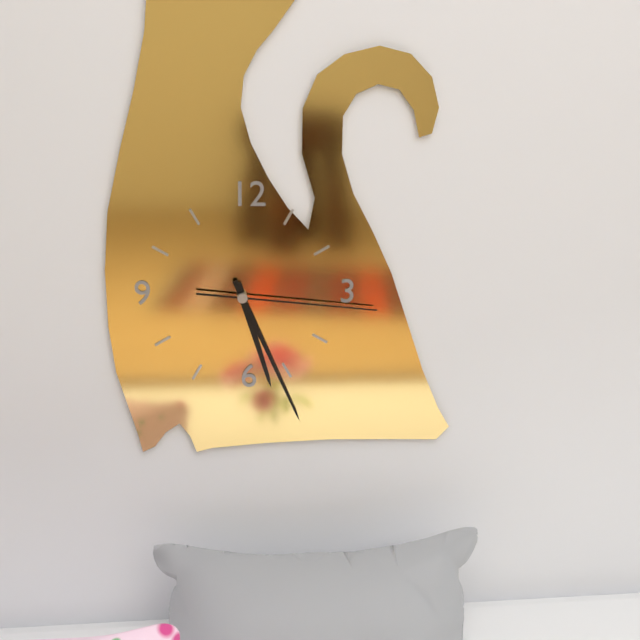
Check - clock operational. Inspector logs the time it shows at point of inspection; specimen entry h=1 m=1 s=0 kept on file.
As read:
h=5 m=26 s=16
